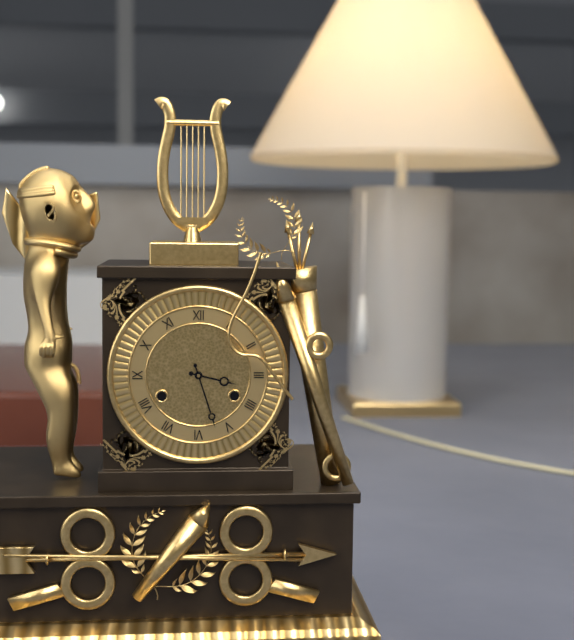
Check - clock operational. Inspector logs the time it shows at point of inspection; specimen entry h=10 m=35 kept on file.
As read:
h=3 m=27
